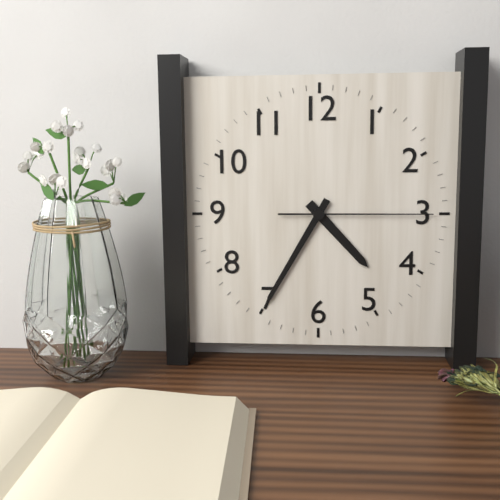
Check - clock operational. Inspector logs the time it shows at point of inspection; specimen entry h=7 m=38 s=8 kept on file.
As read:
h=4 m=35 s=15
